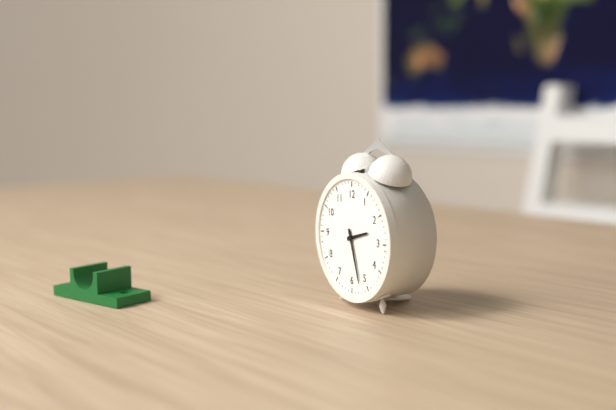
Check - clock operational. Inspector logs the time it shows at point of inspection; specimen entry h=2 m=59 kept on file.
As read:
h=2 m=27
